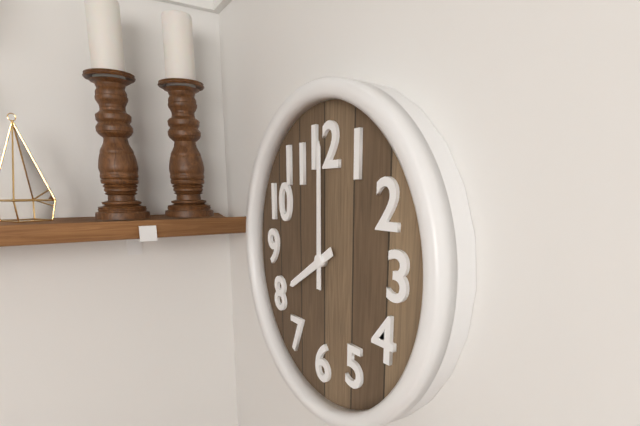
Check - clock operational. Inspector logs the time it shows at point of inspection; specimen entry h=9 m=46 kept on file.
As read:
h=8 m=0
